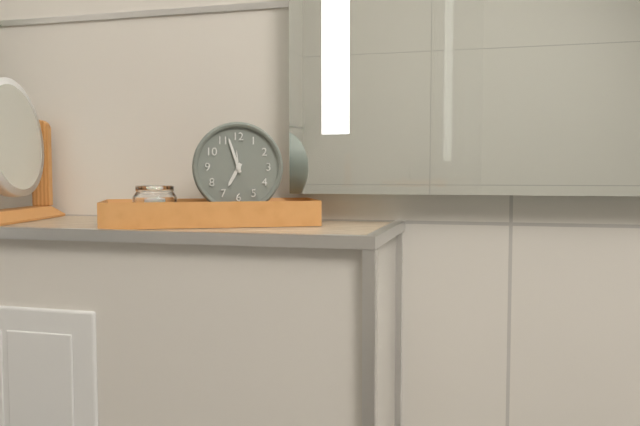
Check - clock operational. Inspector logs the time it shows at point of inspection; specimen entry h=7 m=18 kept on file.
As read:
h=6 m=57
